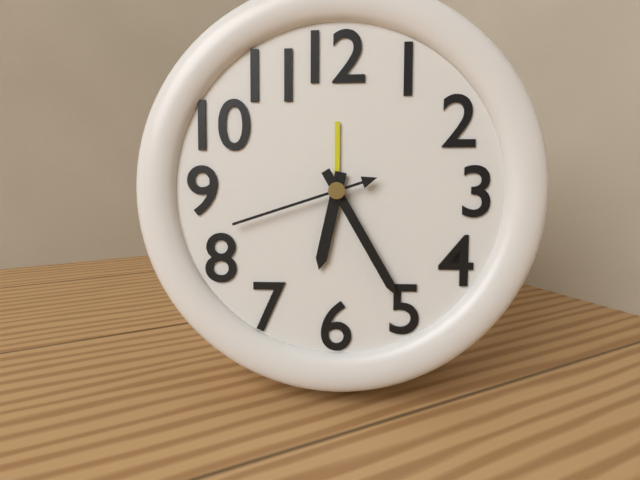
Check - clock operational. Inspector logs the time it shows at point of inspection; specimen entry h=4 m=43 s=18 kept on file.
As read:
h=6 m=25 s=42
